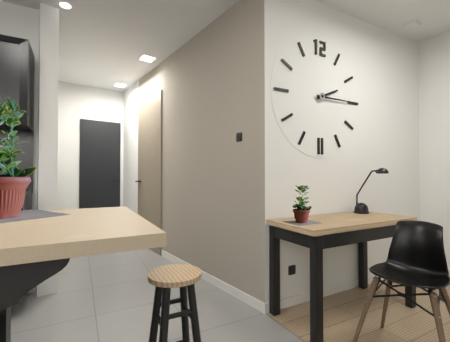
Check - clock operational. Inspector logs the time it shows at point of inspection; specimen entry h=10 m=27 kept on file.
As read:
h=2 m=15
